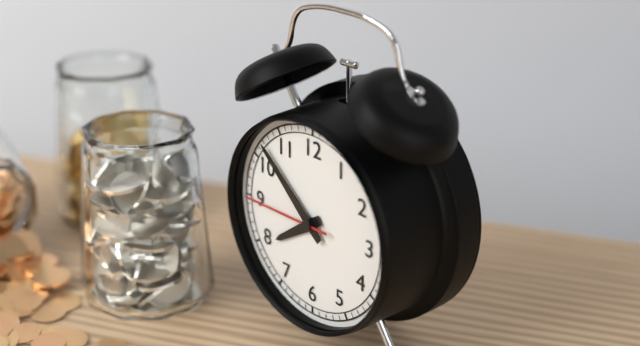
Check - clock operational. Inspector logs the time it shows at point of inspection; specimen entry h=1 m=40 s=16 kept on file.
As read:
h=7 m=52 s=45
